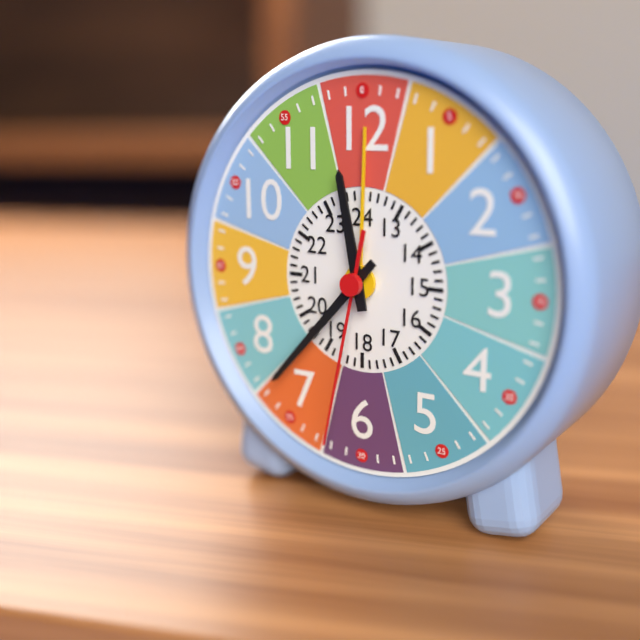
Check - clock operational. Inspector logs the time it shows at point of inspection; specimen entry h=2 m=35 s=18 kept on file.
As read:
h=11 m=37 s=32
